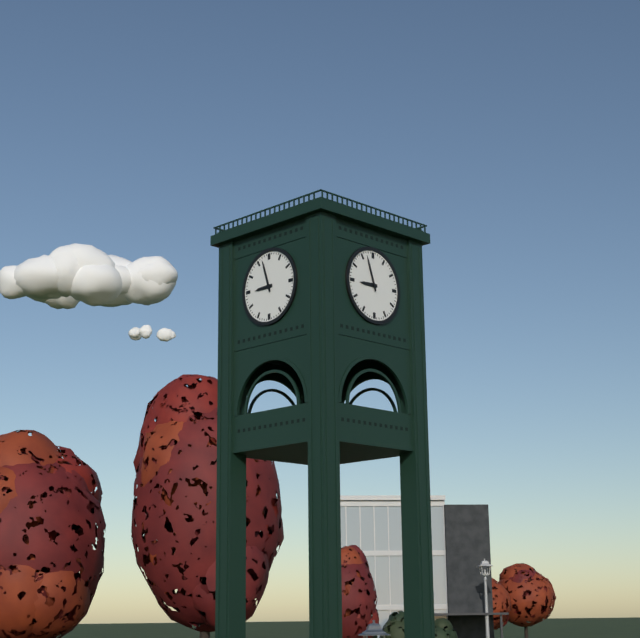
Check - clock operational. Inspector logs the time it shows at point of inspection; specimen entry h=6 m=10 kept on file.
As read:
h=8 m=57
